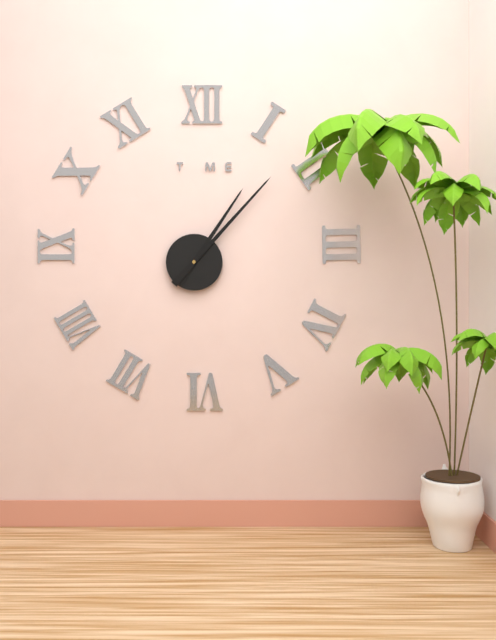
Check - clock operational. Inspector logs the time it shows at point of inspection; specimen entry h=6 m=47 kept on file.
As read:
h=1 m=7
